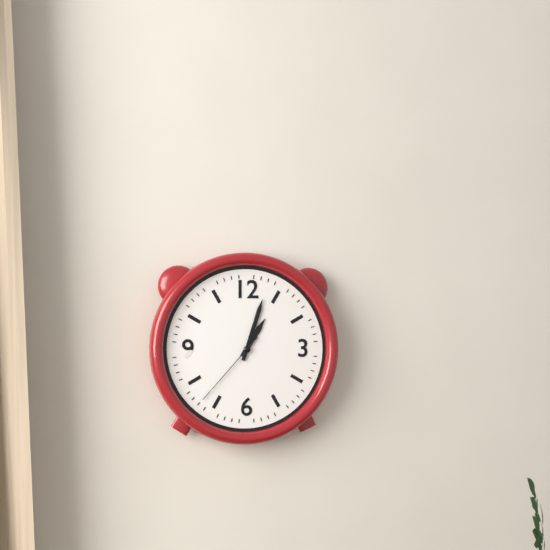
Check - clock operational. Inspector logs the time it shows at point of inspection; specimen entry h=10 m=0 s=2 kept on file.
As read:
h=1 m=3 s=37
